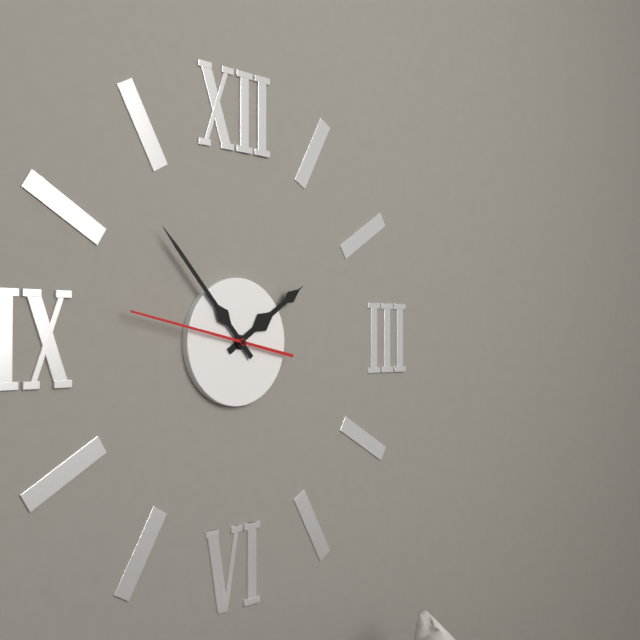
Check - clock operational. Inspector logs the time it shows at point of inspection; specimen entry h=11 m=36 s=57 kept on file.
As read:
h=1 m=53 s=47
